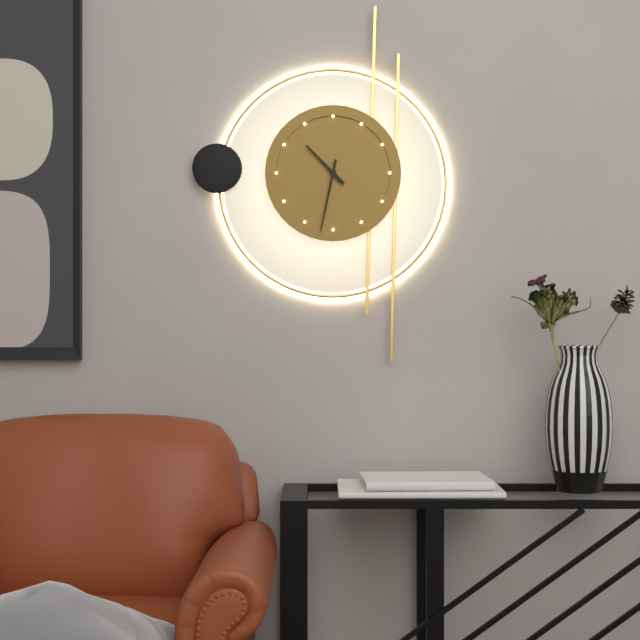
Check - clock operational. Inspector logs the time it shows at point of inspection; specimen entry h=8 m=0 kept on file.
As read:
h=10 m=32
